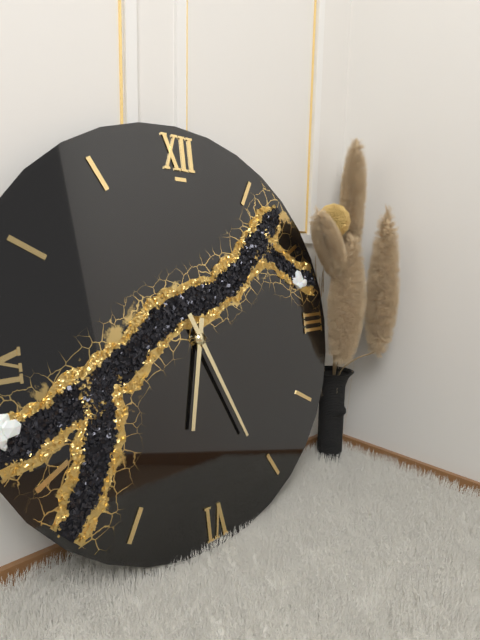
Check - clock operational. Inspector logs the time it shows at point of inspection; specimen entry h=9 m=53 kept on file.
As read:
h=6 m=26
